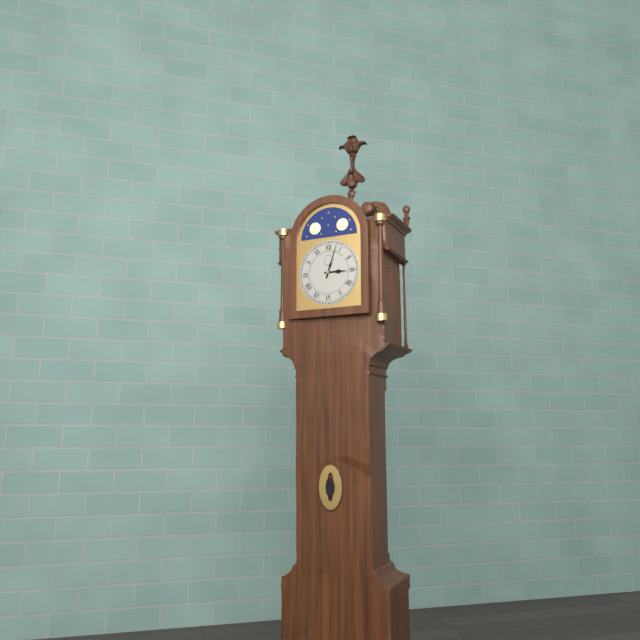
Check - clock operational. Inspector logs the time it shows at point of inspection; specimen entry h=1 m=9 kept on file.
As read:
h=3 m=3
